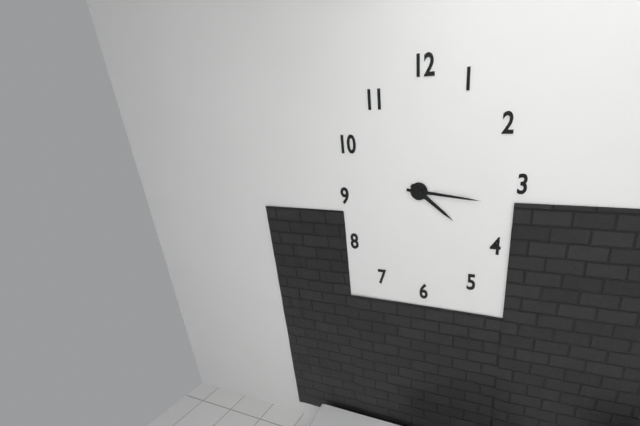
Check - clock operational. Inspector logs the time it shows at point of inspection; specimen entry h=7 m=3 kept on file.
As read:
h=4 m=16
